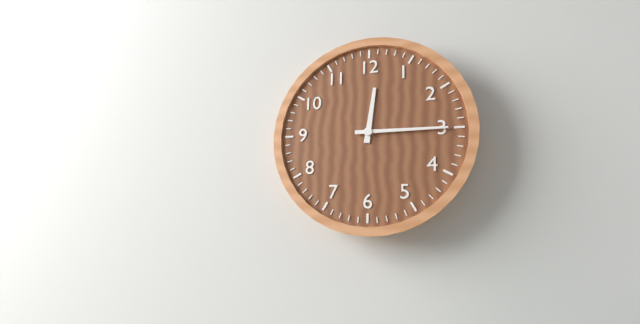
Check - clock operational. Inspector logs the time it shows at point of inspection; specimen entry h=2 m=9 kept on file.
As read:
h=12 m=15
